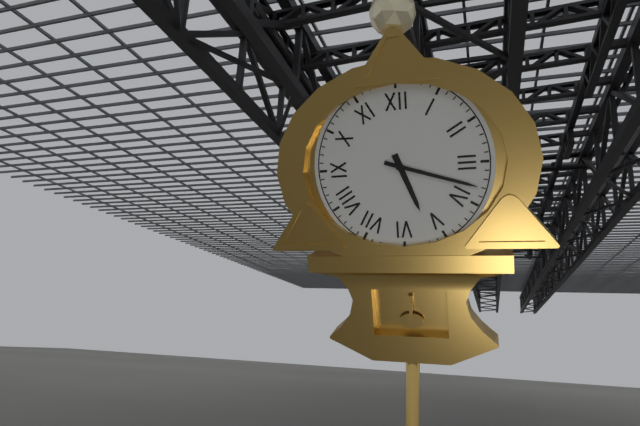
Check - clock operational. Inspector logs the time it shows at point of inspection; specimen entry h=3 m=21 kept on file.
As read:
h=5 m=18
